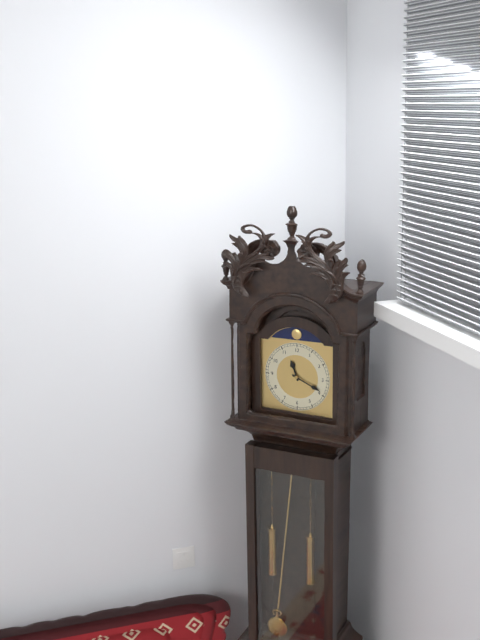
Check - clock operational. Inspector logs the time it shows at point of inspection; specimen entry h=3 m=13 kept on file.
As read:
h=11 m=19
